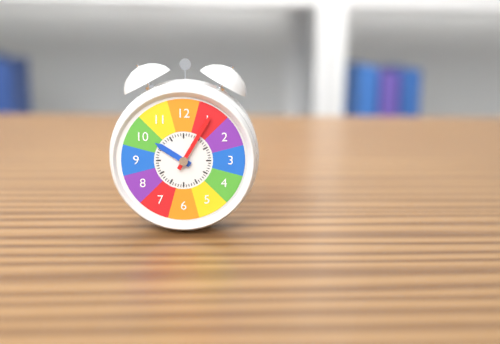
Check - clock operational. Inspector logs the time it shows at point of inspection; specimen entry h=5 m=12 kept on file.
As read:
h=10 m=5
